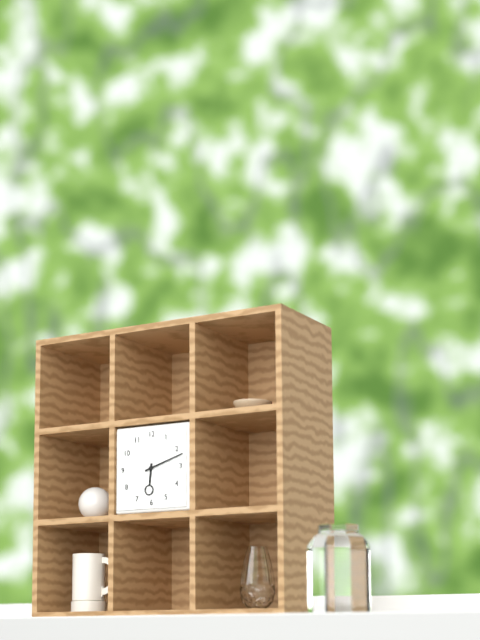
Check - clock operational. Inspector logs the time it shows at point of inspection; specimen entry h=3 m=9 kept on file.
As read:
h=6 m=12
